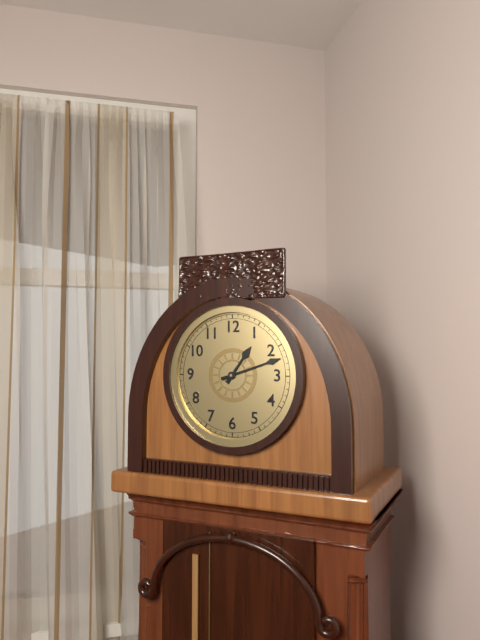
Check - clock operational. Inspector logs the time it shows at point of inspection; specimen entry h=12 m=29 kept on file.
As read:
h=1 m=12
